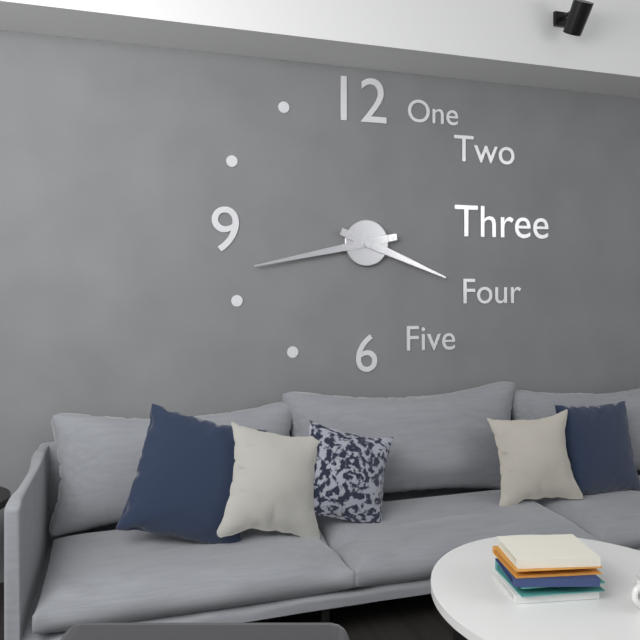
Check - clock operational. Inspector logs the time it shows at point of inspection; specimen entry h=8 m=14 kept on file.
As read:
h=3 m=43
